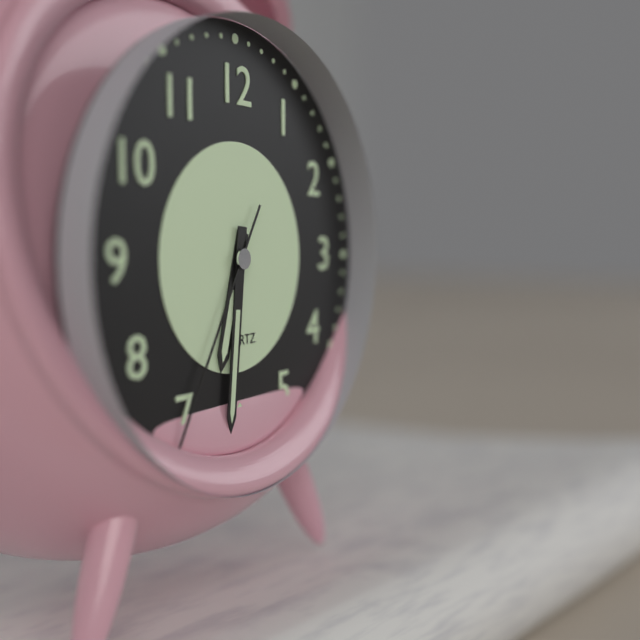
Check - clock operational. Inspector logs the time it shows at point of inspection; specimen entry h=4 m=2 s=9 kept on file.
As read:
h=6 m=31 s=35
